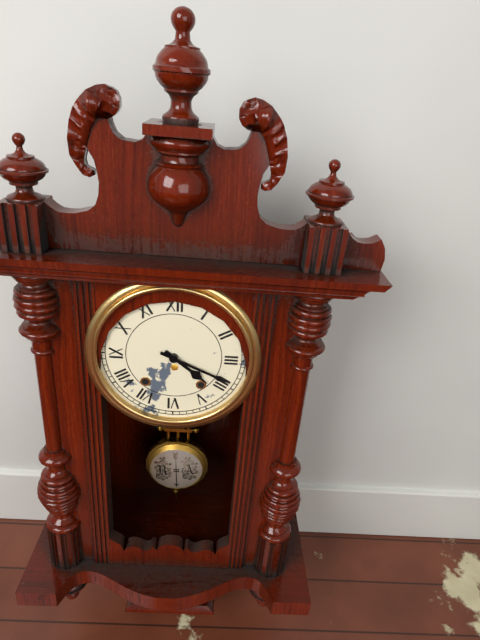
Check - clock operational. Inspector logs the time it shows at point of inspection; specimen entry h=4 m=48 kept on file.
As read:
h=4 m=19
